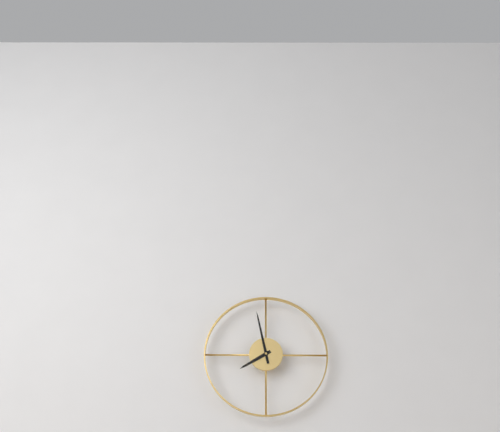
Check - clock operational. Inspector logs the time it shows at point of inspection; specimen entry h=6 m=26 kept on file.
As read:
h=7 m=58
